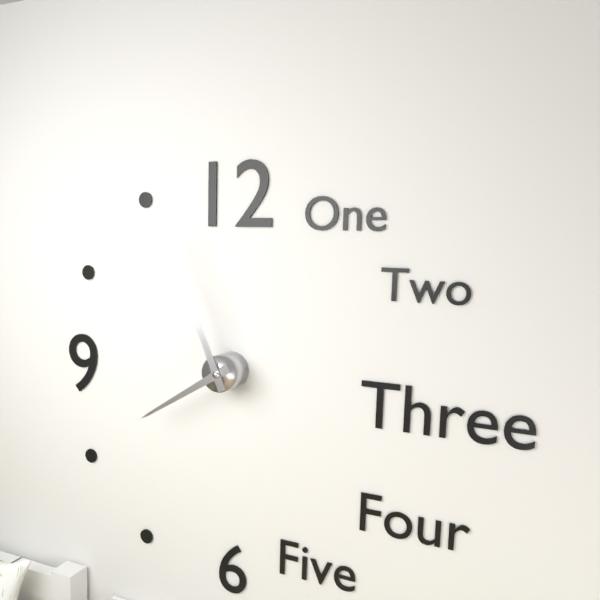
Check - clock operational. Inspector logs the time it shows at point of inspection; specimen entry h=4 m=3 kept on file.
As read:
h=7 m=56
